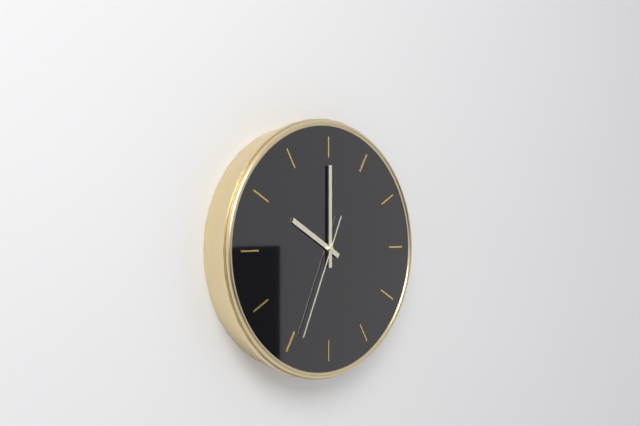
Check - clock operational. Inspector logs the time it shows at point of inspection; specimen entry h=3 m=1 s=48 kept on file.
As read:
h=10 m=0 s=34
